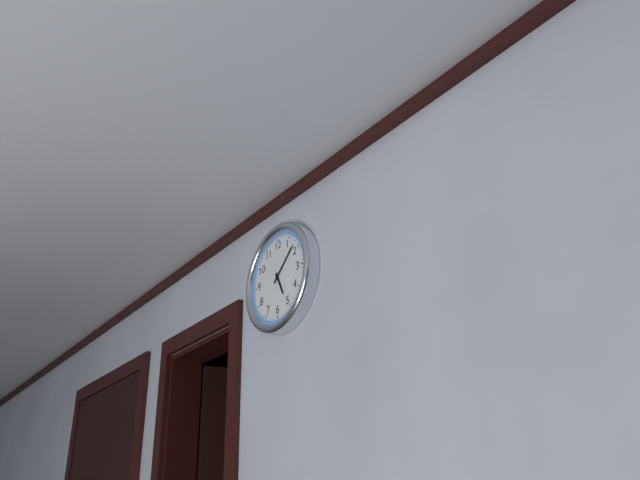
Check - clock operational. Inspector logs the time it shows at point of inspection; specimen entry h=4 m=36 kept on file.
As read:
h=5 m=8
